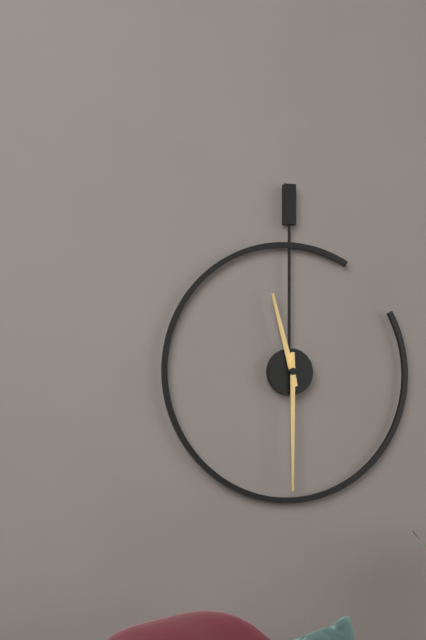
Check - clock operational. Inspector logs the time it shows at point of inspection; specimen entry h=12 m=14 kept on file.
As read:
h=11 m=30
